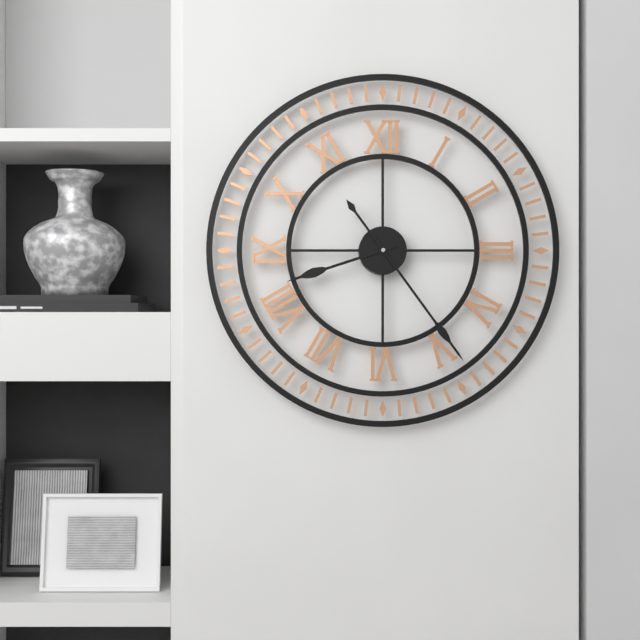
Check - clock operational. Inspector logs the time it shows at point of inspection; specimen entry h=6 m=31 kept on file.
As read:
h=8 m=24
